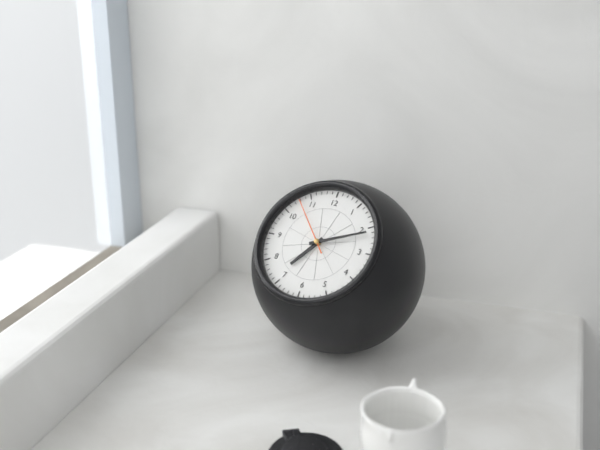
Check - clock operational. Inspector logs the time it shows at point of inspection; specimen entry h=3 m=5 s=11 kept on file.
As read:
h=7 m=11 s=53
